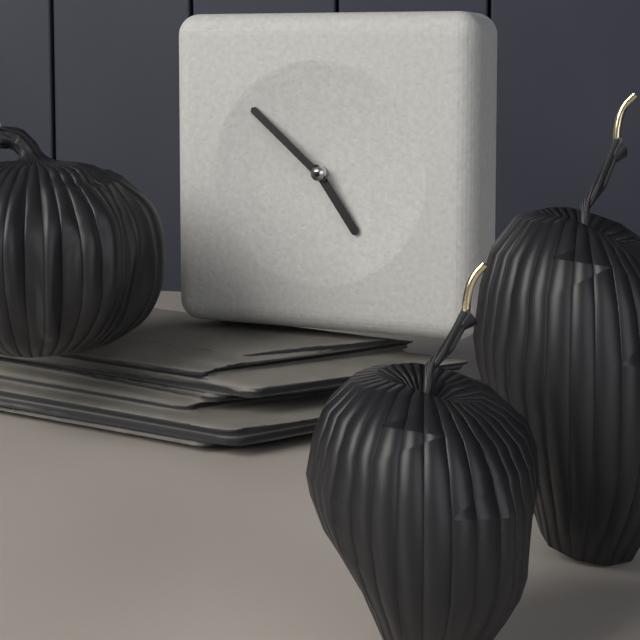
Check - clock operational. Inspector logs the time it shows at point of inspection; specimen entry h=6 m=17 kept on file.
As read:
h=4 m=52
